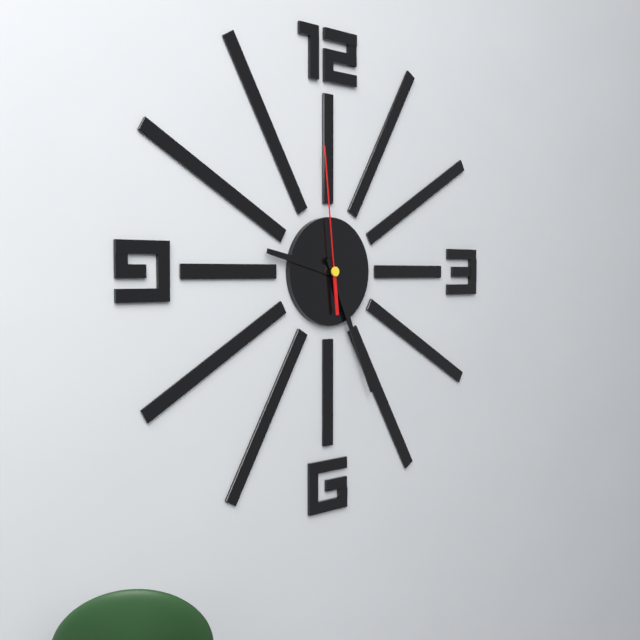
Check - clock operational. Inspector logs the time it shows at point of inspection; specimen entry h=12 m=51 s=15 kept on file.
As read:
h=9 m=26 s=59
